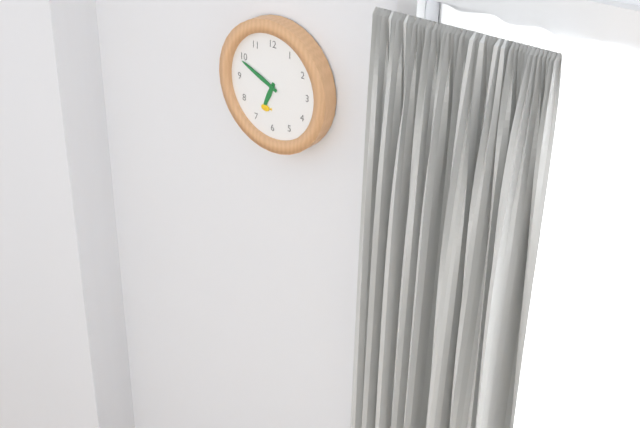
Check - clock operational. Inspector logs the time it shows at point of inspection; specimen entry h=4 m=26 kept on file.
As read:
h=6 m=49
